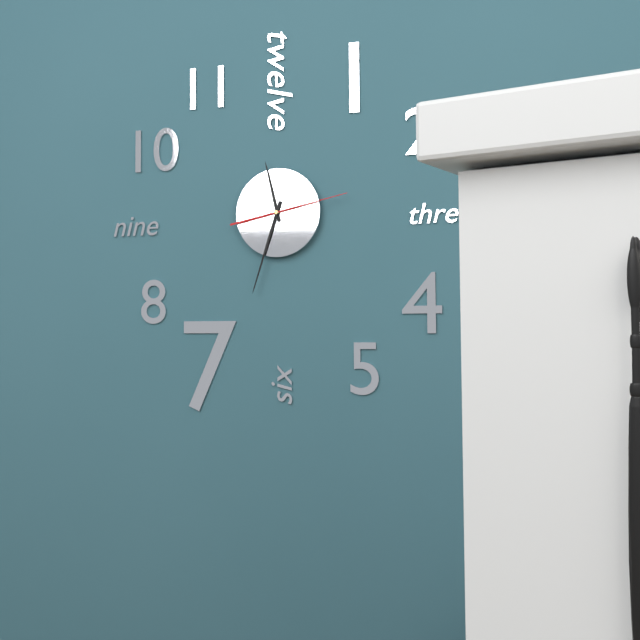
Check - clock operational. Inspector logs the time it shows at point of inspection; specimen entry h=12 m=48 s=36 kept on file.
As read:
h=11 m=33 s=13
